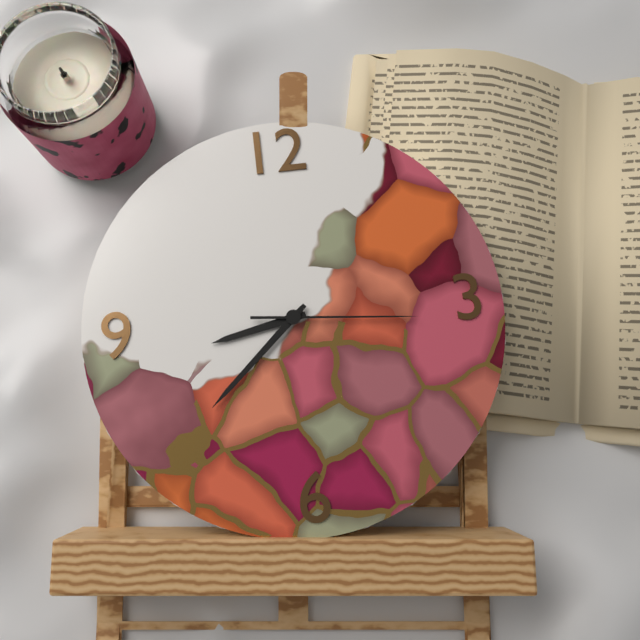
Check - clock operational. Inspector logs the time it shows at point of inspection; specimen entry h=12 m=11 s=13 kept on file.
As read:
h=8 m=38 s=16
